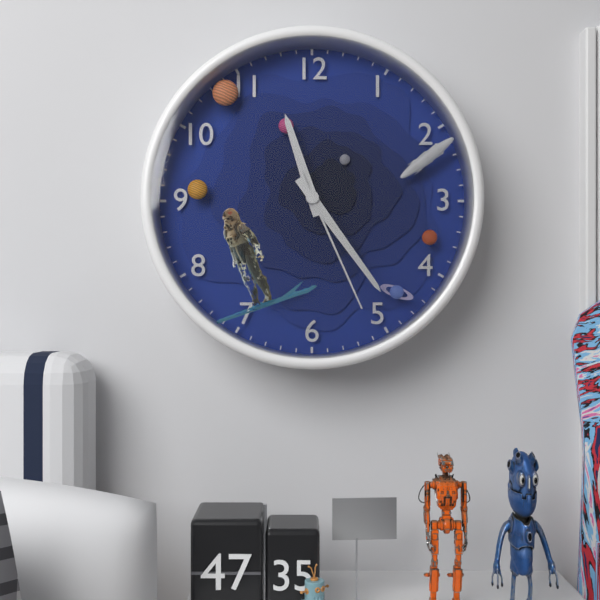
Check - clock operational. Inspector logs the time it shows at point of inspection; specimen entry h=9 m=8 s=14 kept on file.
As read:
h=11 m=24 s=26
